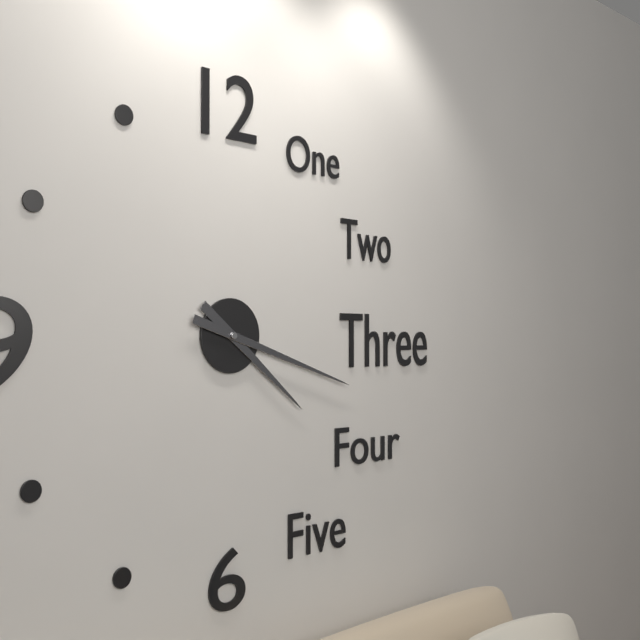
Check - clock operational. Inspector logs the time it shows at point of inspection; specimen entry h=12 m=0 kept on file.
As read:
h=4 m=18
